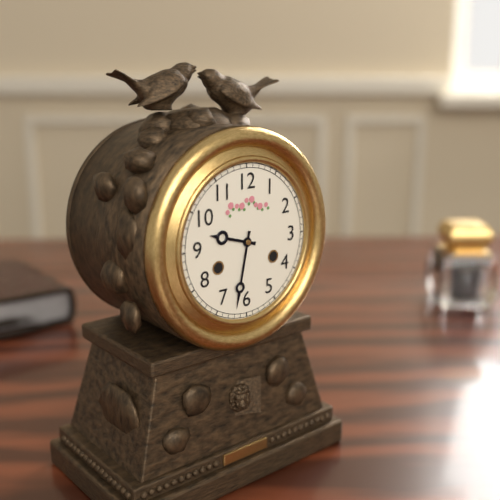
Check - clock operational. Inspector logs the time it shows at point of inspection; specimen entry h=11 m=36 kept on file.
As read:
h=9 m=32
